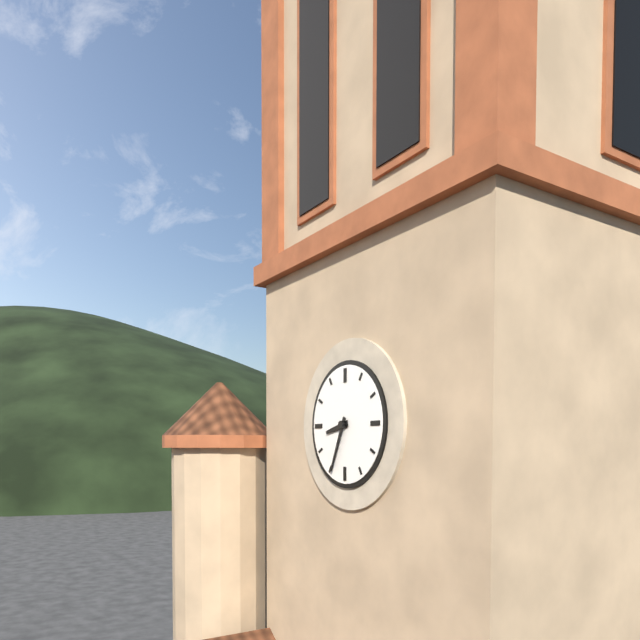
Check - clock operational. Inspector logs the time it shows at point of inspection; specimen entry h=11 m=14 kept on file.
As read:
h=8 m=34
